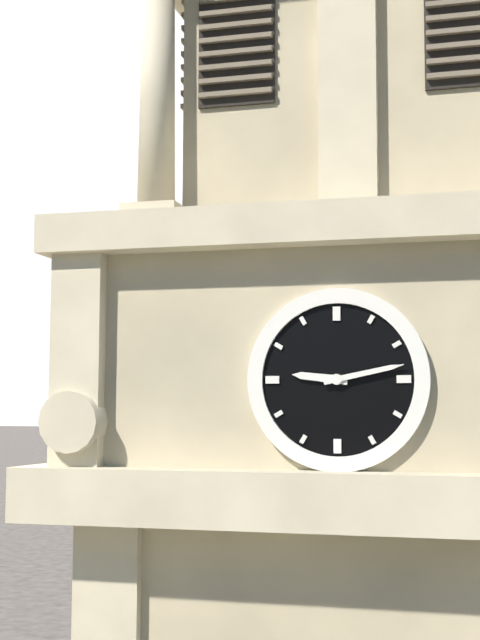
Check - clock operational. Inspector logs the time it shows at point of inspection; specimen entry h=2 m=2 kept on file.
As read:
h=9 m=13
